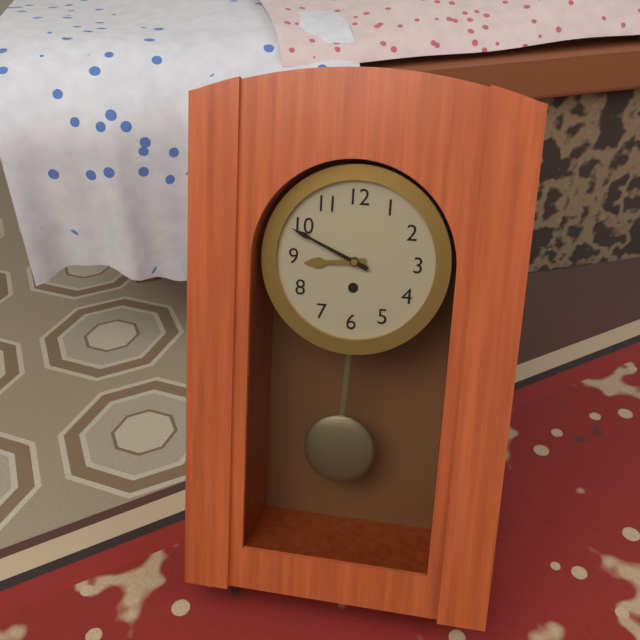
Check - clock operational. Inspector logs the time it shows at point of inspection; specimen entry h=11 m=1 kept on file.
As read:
h=8 m=49
